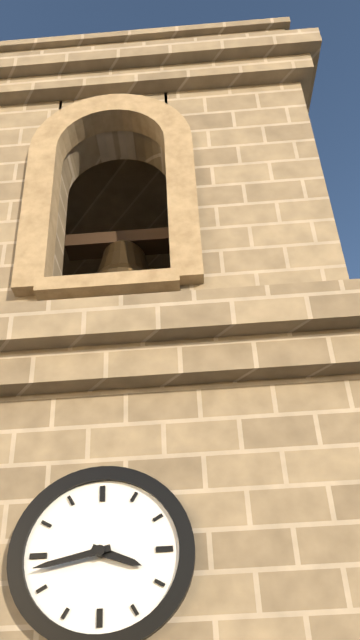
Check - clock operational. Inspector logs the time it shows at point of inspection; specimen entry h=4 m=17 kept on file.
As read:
h=3 m=43
